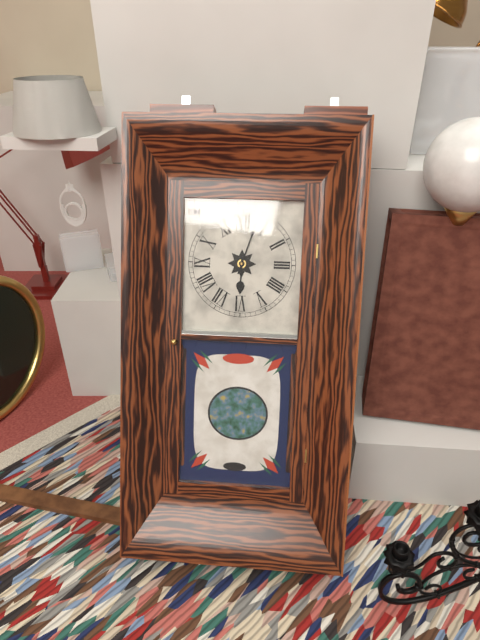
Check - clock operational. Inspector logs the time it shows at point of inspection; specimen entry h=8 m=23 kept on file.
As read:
h=6 m=3
